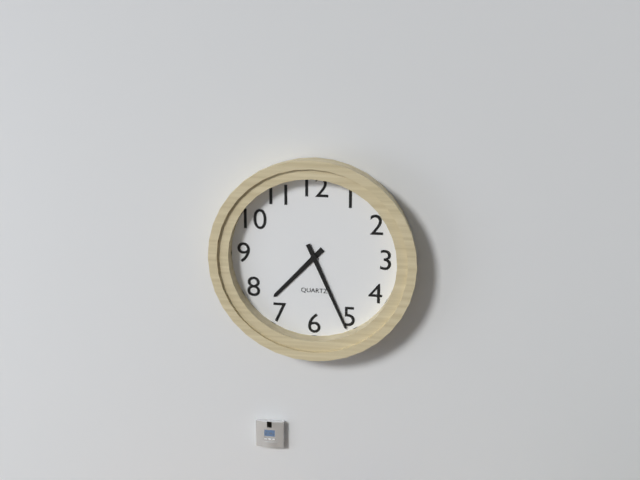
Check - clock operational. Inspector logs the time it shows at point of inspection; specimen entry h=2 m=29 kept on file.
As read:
h=7 m=26
